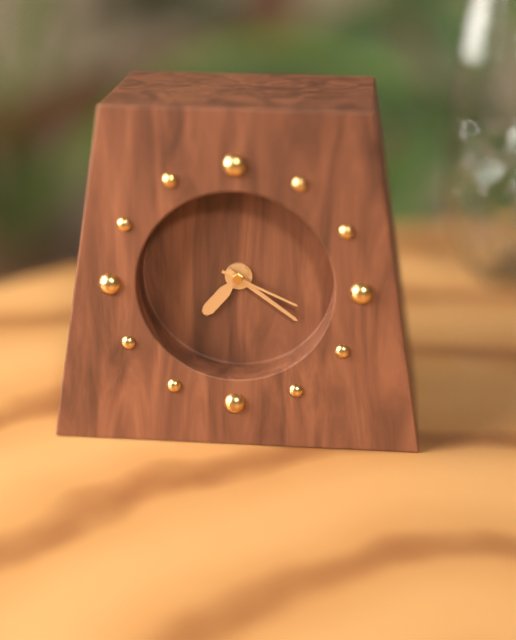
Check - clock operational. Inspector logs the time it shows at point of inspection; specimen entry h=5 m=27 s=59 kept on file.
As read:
h=7 m=21 s=19
